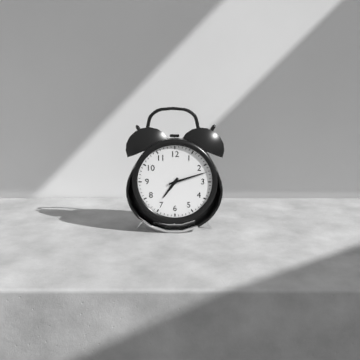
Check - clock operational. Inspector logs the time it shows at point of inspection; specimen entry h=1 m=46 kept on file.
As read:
h=7 m=12
